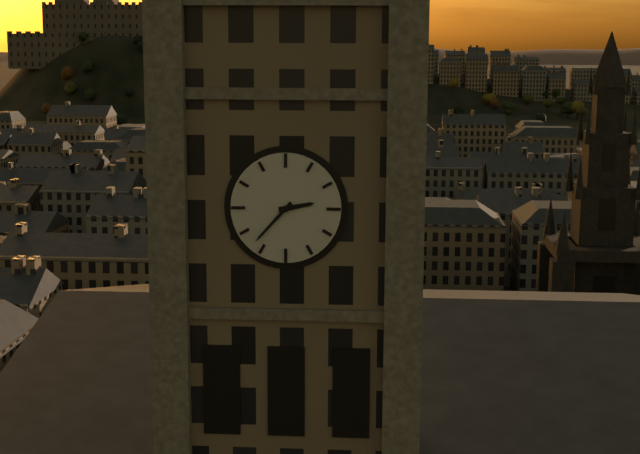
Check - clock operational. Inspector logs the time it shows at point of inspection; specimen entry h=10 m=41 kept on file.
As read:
h=2 m=37
